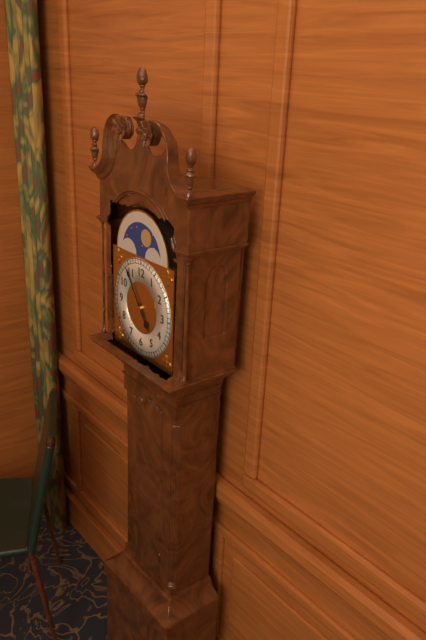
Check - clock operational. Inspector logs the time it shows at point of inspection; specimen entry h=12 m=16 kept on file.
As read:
h=4 m=54
